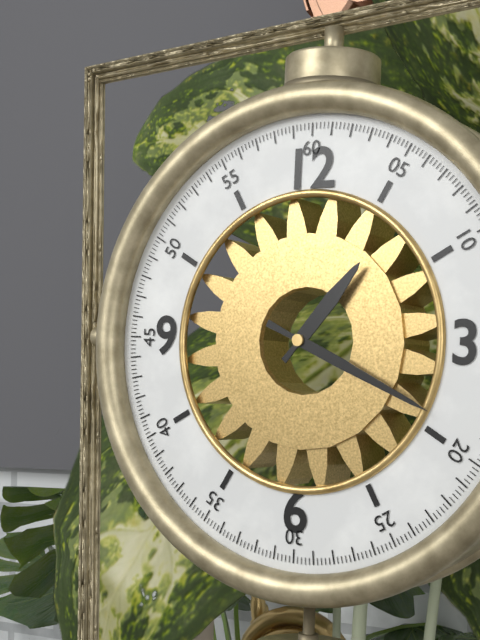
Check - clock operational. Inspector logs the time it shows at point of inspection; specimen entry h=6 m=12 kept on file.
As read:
h=1 m=19
